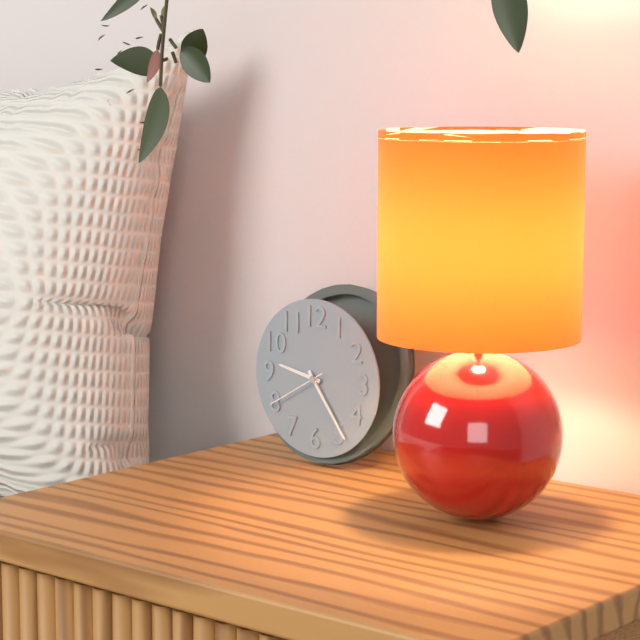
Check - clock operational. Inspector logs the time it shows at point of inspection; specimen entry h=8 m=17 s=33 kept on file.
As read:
h=9 m=24 s=40
